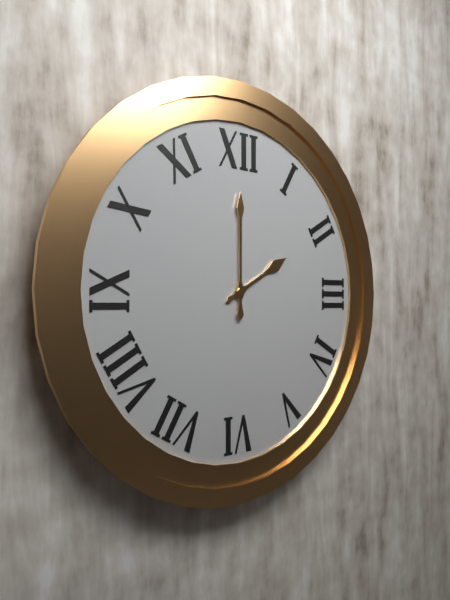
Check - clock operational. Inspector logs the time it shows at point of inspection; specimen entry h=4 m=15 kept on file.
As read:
h=2 m=0
